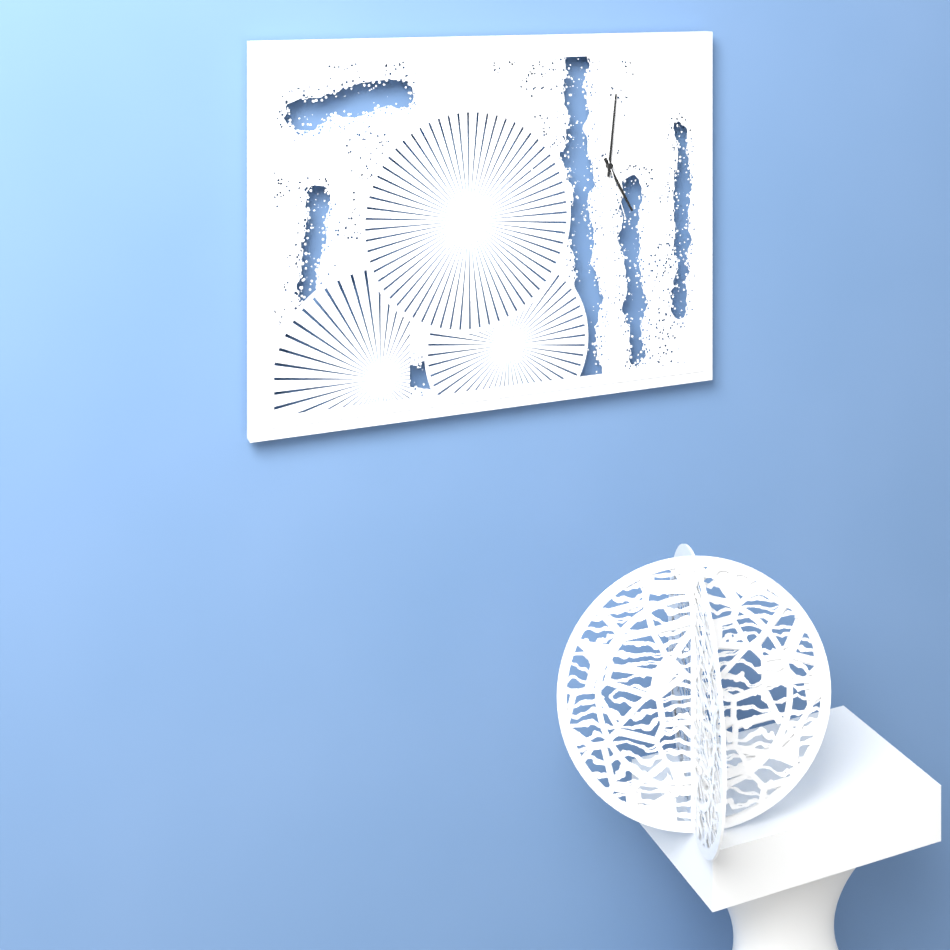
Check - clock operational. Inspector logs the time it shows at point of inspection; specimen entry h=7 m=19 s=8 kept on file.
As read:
h=5 m=1 s=27
